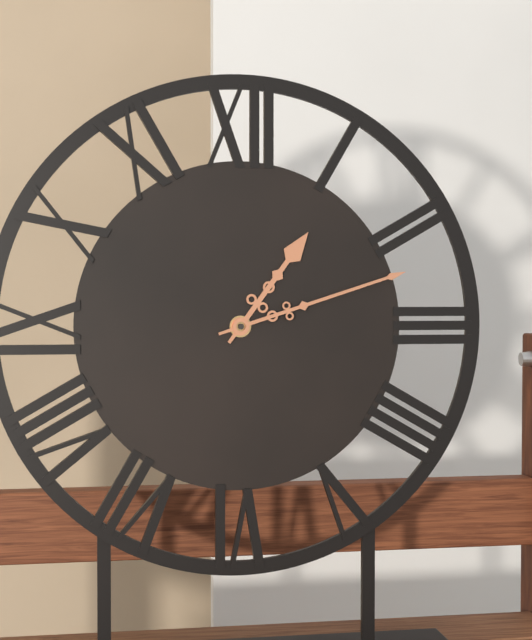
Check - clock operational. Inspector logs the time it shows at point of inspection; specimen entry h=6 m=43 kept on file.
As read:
h=1 m=12
